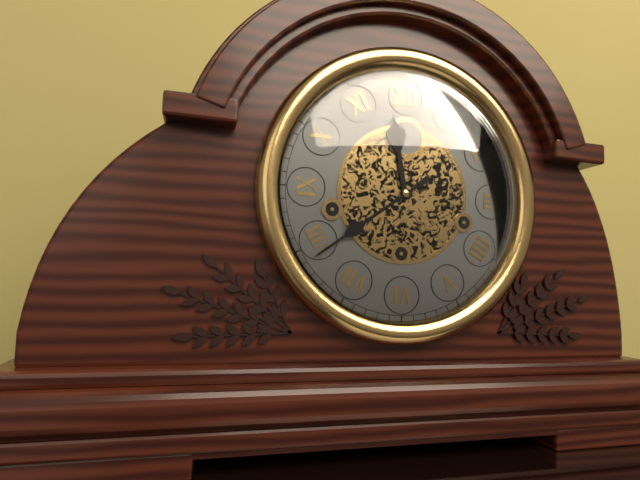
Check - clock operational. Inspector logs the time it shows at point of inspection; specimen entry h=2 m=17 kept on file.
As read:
h=11 m=39
